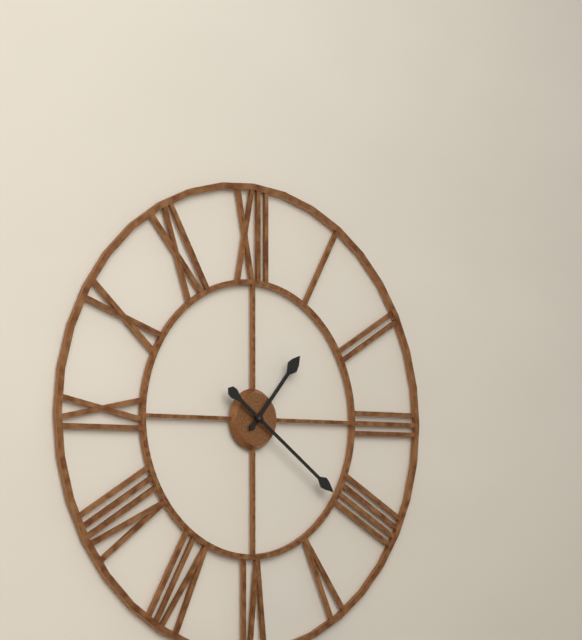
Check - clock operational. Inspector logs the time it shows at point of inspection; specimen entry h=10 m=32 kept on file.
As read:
h=1 m=21
